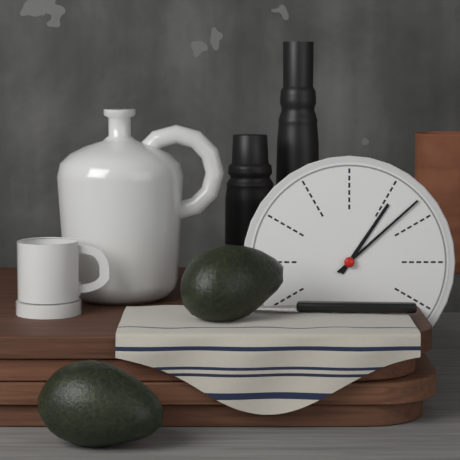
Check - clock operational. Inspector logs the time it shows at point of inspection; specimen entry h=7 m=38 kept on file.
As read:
h=1 m=8
